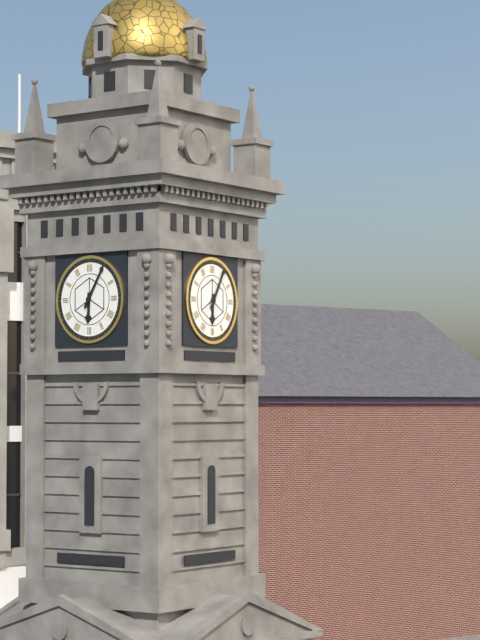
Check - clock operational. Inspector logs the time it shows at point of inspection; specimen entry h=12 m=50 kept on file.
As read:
h=6 m=5
